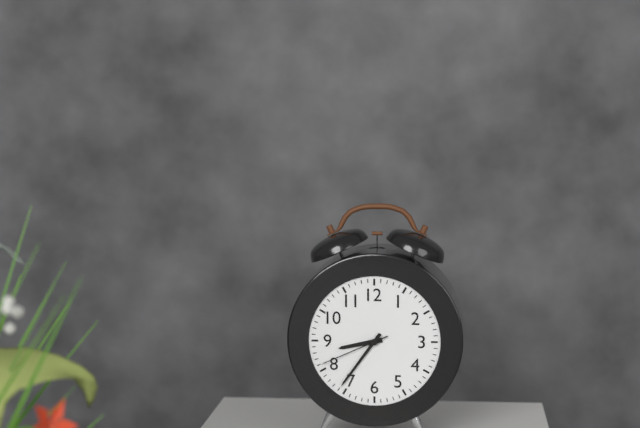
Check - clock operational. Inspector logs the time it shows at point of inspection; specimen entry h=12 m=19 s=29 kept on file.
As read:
h=8 m=36 s=41
